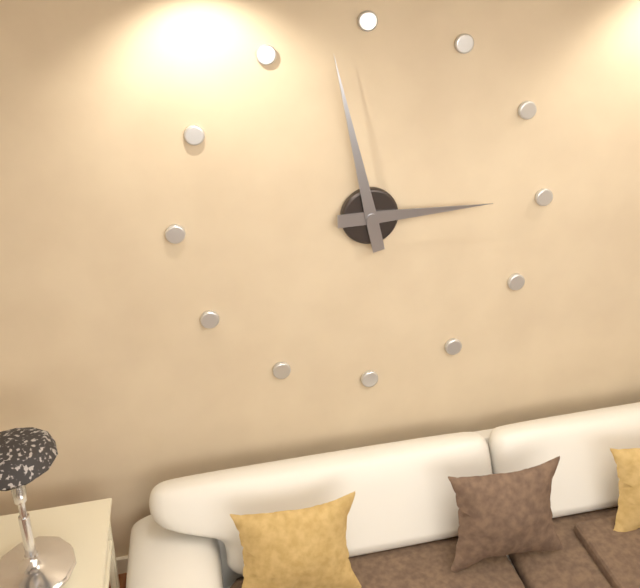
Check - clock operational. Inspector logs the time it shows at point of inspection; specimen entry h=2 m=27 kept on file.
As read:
h=2 m=58
